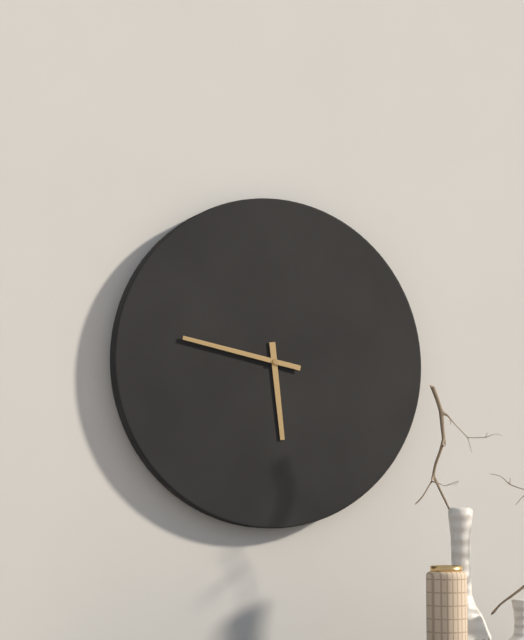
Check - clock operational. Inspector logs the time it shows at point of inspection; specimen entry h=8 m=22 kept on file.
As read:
h=5 m=47
